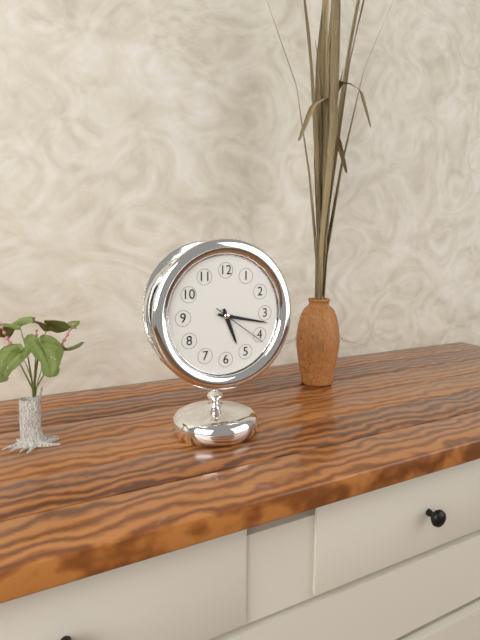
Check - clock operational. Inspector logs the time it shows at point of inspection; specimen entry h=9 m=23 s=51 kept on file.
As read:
h=5 m=17 s=21
